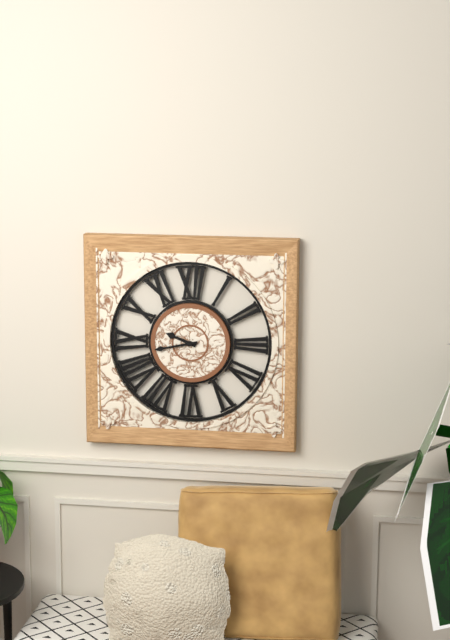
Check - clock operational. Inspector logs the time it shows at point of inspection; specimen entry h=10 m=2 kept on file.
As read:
h=9 m=43
